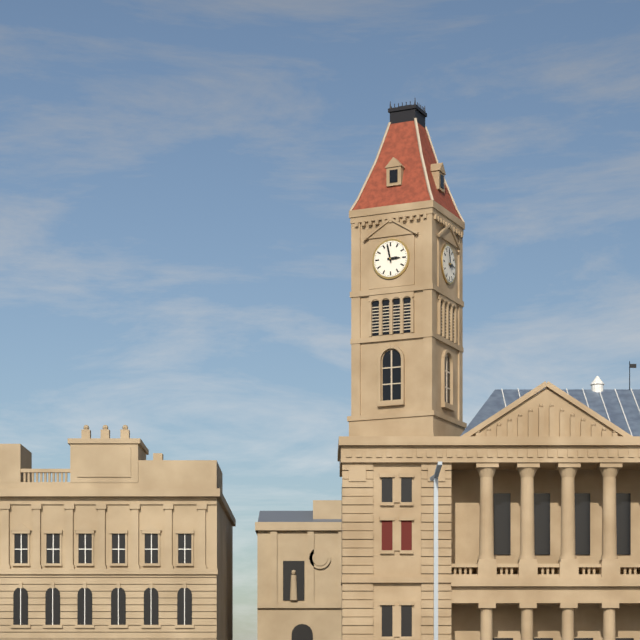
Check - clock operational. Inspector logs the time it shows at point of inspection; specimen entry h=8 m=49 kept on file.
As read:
h=2 m=58
